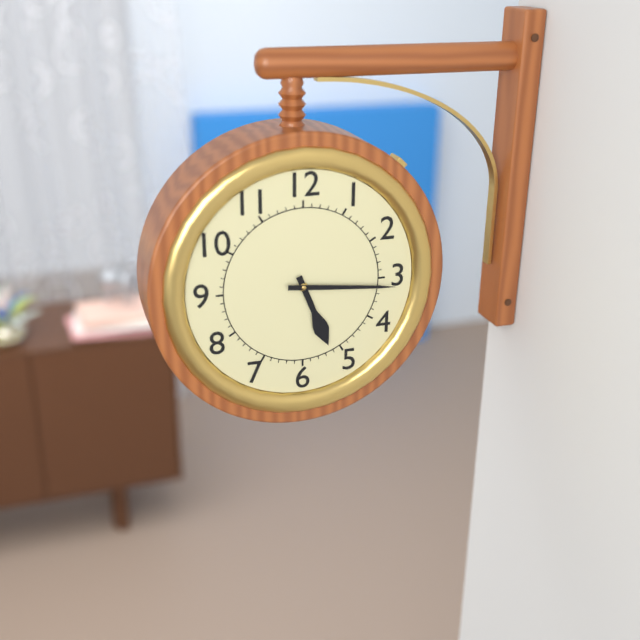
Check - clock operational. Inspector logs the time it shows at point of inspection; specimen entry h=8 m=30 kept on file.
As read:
h=5 m=16
